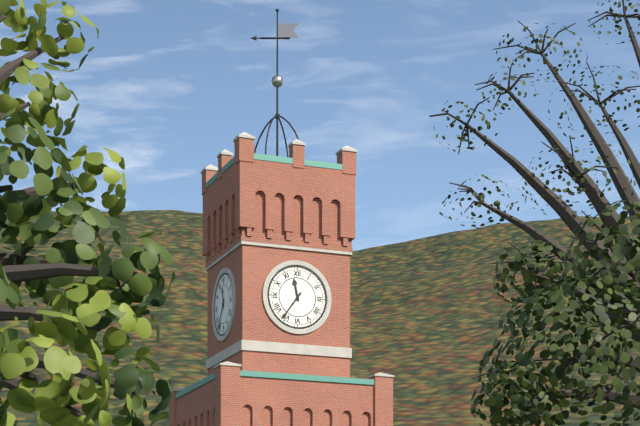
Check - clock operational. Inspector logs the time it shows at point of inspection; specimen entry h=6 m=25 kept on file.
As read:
h=11 m=36
